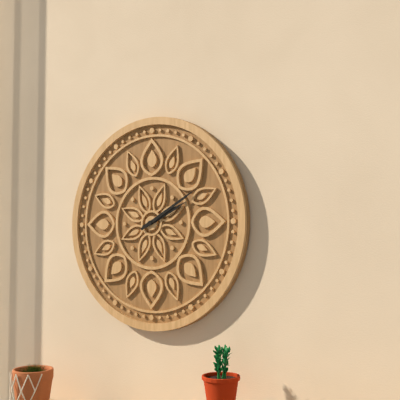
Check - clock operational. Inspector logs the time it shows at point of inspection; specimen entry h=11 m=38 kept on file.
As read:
h=2 m=10
